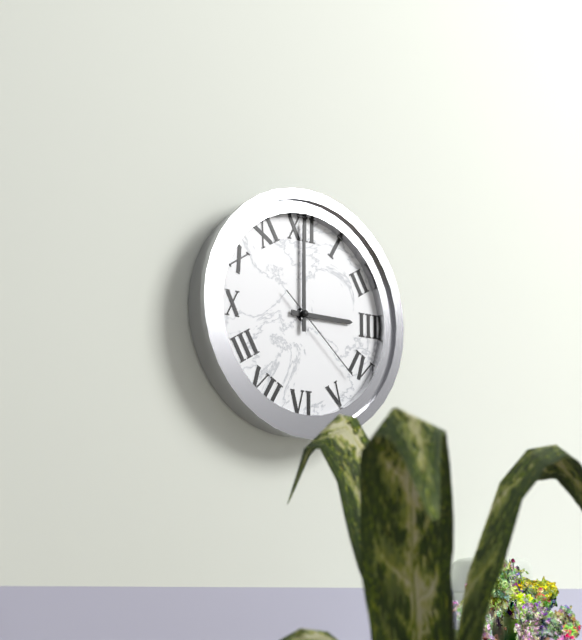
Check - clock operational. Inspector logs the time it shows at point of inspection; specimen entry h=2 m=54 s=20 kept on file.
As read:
h=3 m=0 s=22
